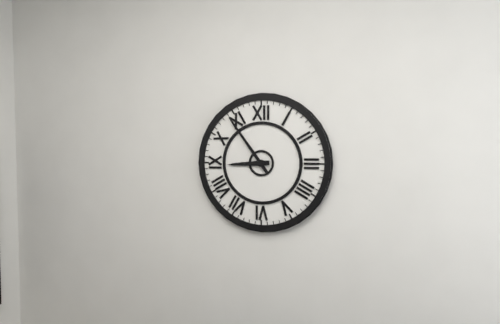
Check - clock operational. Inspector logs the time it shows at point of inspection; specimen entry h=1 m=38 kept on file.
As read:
h=8 m=54
